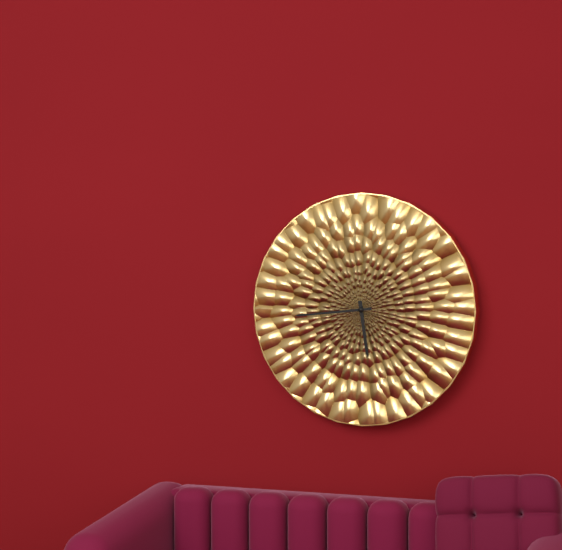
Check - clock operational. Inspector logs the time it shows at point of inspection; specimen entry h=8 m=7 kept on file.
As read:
h=5 m=44
